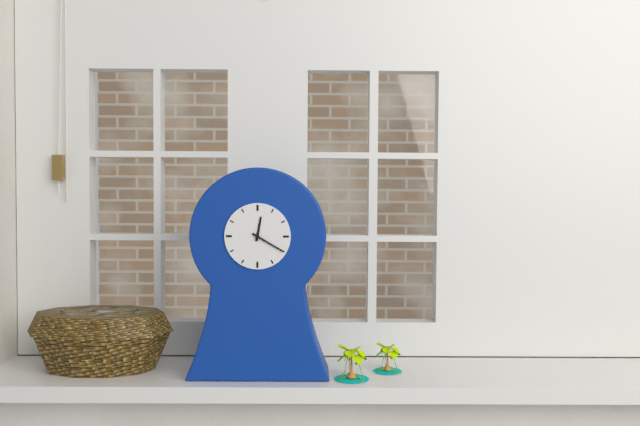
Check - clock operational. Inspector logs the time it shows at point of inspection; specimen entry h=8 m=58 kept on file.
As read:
h=12 m=20
